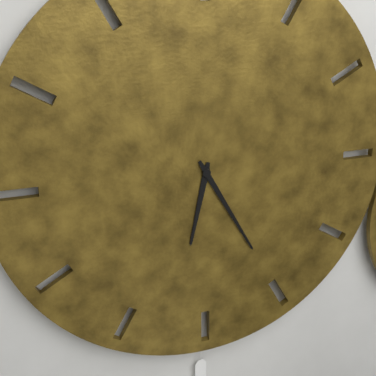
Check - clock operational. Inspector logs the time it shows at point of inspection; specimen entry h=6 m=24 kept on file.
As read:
h=6 m=25
